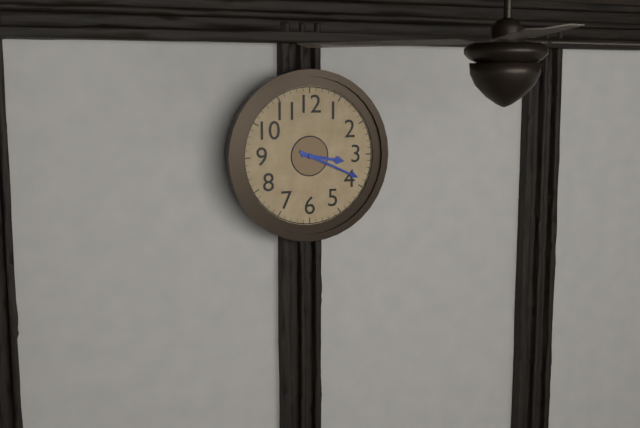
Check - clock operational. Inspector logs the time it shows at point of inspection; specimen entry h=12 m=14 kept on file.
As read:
h=3 m=19
